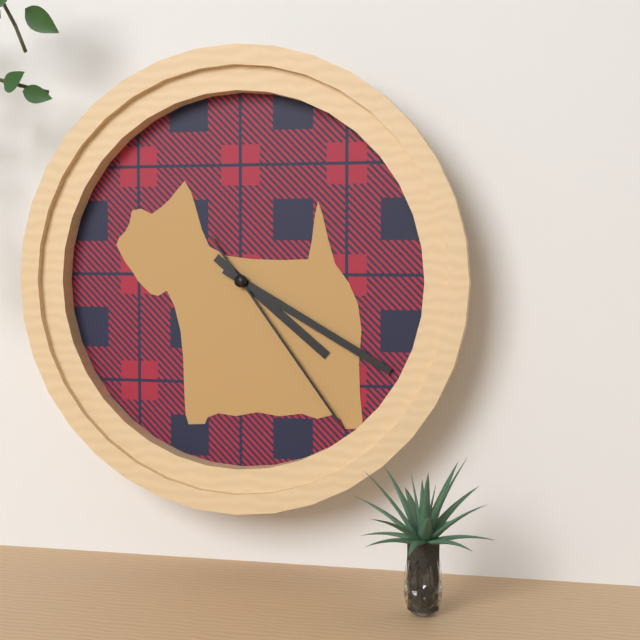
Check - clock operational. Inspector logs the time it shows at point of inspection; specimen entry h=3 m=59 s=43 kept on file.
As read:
h=4 m=20 s=24
